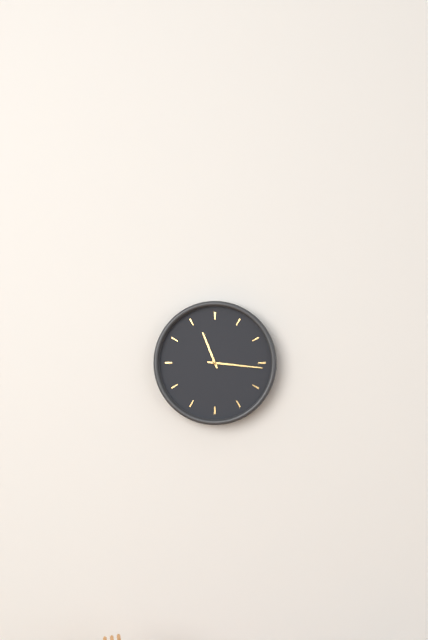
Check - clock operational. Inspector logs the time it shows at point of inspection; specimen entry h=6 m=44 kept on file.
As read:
h=11 m=16
